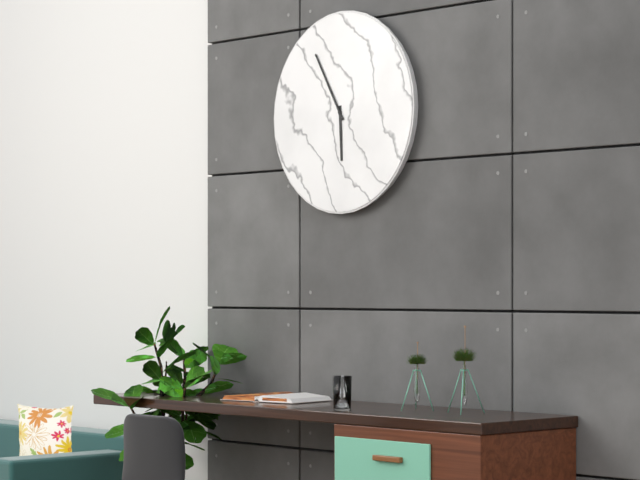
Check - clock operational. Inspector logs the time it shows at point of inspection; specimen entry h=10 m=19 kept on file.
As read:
h=5 m=55
